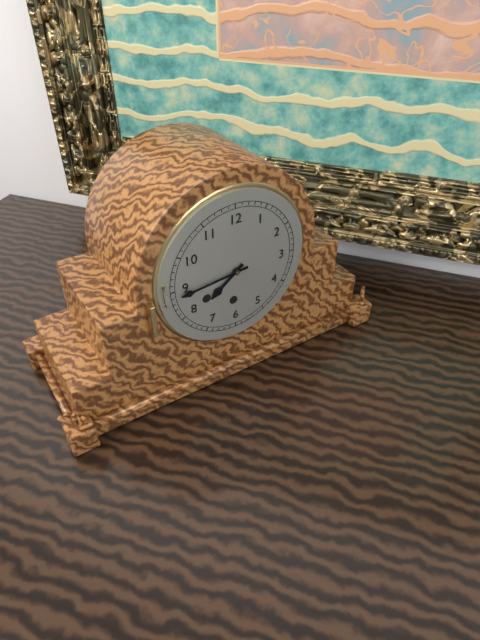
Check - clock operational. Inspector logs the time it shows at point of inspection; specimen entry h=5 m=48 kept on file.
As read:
h=7 m=44
